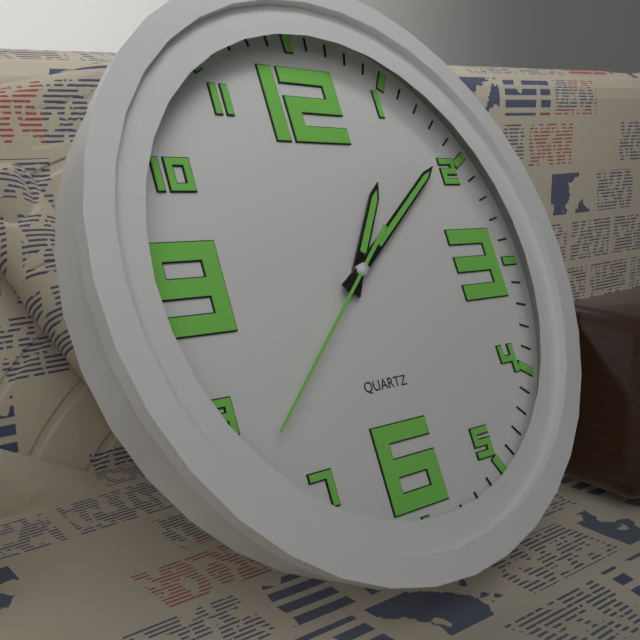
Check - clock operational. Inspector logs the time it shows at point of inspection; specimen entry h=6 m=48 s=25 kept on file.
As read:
h=1 m=9 s=38
